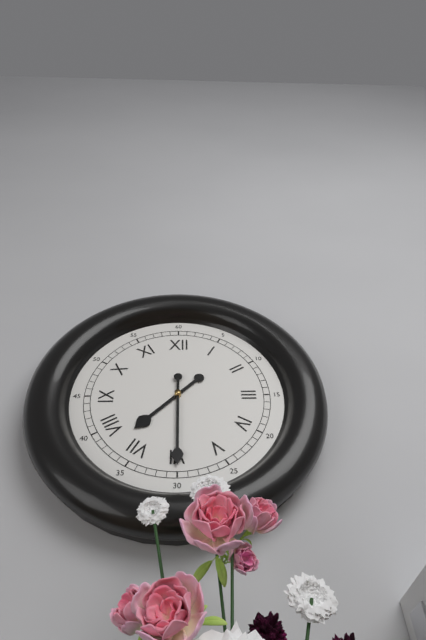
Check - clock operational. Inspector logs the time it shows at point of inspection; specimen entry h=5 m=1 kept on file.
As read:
h=7 m=30
